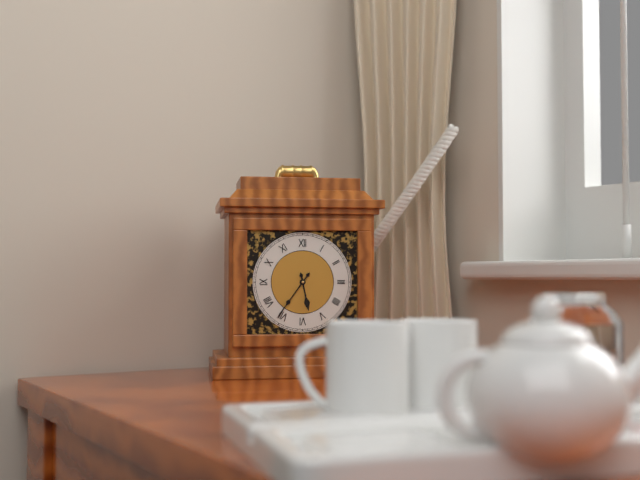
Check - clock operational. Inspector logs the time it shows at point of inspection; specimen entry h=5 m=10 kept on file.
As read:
h=5 m=36
